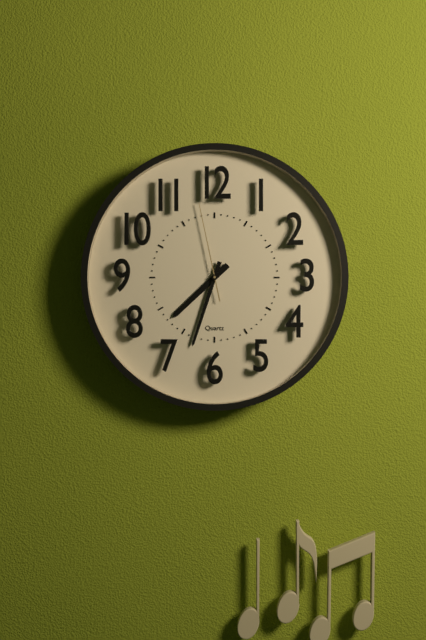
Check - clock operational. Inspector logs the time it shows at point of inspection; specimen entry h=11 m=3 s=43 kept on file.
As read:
h=7 m=33 s=58
